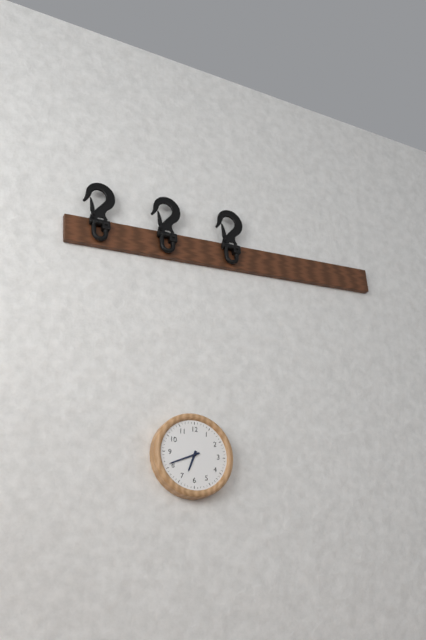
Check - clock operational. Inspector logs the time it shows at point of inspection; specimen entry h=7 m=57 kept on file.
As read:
h=6 m=41
